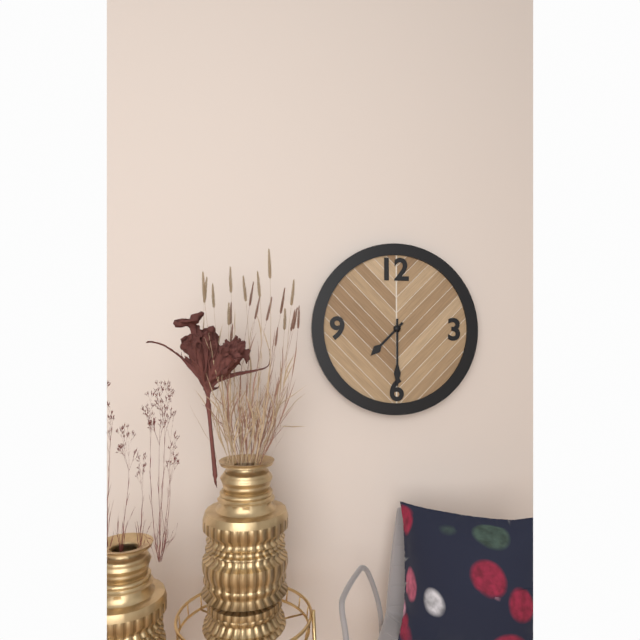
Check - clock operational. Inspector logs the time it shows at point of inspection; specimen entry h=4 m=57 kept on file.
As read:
h=7 m=30
